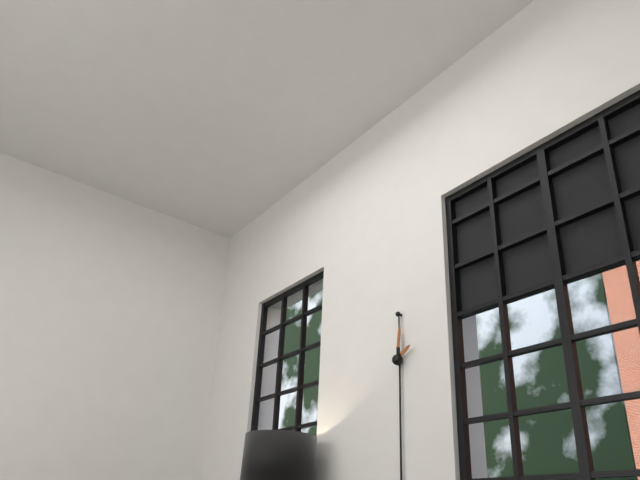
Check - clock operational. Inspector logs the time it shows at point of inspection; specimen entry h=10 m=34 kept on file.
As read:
h=2 m=1
